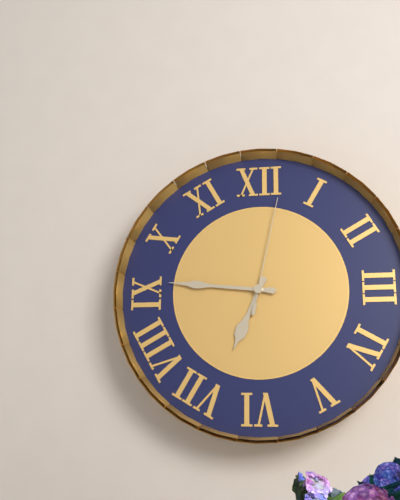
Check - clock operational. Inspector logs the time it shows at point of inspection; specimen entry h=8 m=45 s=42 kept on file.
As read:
h=6 m=46 s=2
